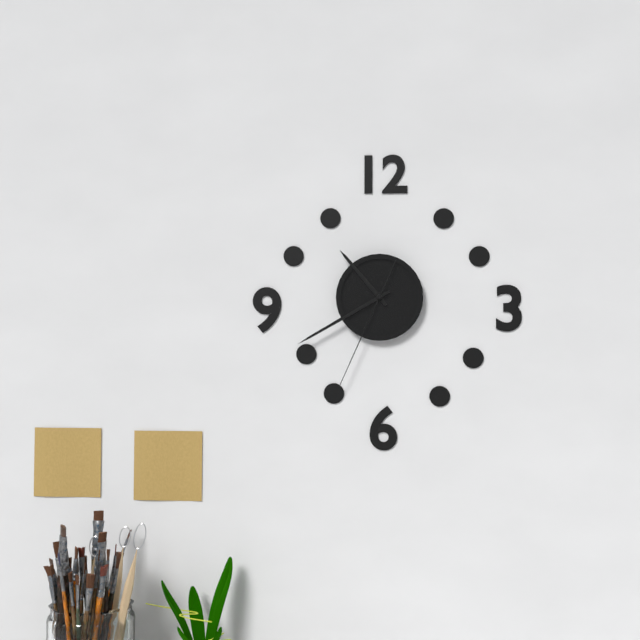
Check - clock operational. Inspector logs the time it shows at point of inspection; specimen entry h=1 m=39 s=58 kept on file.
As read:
h=10 m=40 s=34
